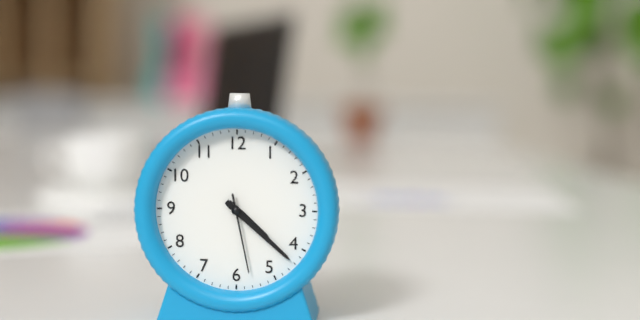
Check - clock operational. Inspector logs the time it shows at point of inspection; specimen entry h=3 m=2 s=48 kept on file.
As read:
h=4 m=22 s=28
